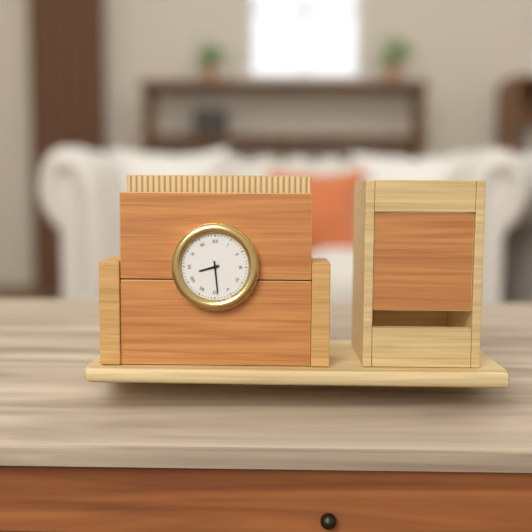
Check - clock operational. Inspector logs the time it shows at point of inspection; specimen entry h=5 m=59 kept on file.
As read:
h=8 m=29
